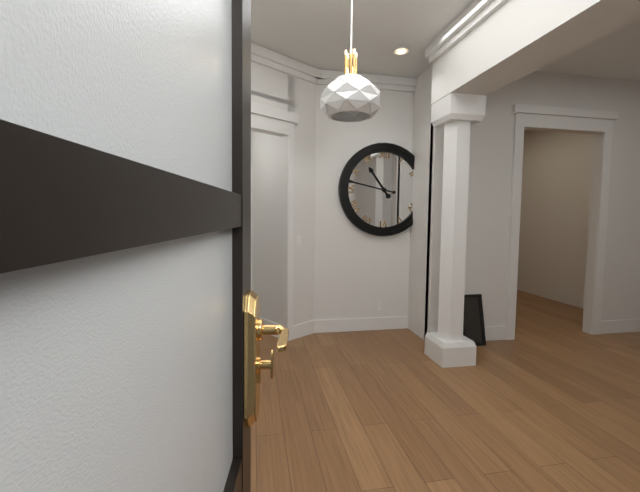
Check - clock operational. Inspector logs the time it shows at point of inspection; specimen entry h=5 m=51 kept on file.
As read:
h=10 m=47
